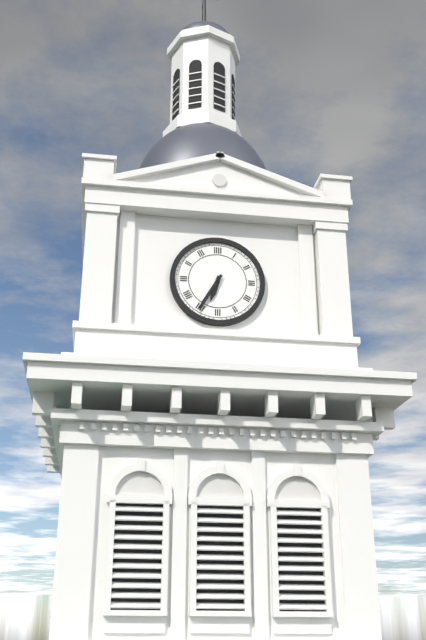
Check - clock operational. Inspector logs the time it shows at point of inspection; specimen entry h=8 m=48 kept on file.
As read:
h=6 m=35
